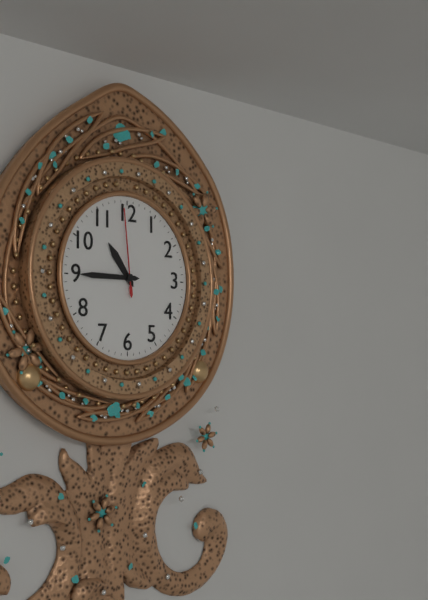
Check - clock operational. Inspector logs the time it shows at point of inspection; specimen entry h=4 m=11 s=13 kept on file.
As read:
h=10 m=45 s=59
